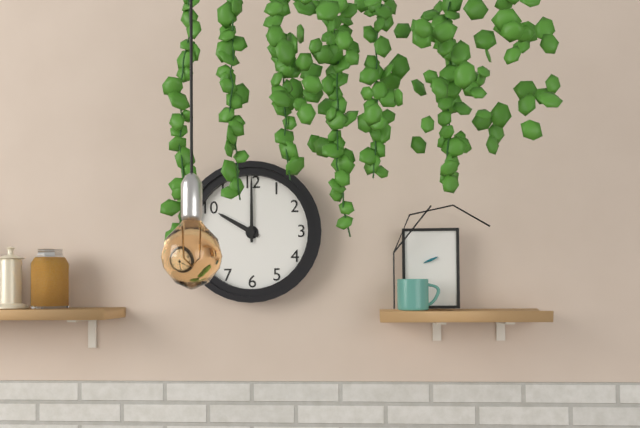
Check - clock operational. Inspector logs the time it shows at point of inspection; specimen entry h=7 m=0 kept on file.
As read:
h=10 m=0
